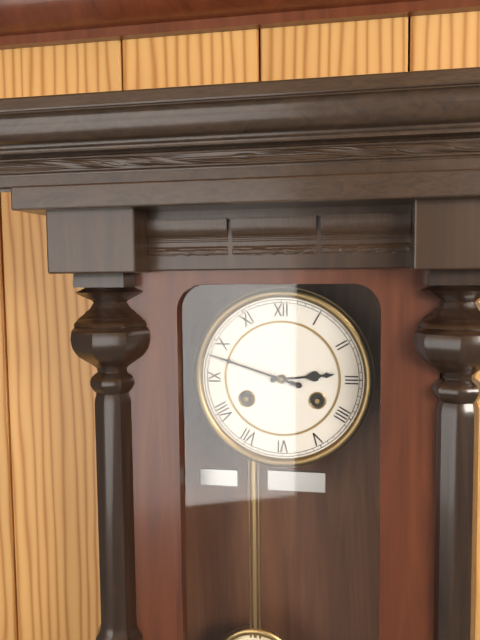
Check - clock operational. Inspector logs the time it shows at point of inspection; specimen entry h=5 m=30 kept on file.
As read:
h=2 m=48
